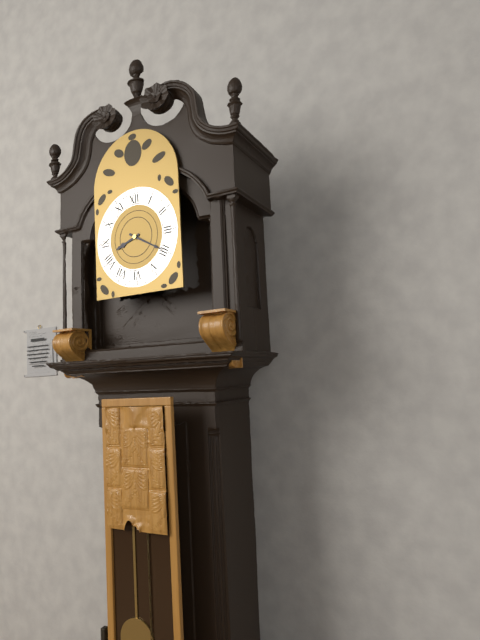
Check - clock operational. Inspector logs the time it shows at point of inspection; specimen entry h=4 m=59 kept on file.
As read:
h=8 m=20
